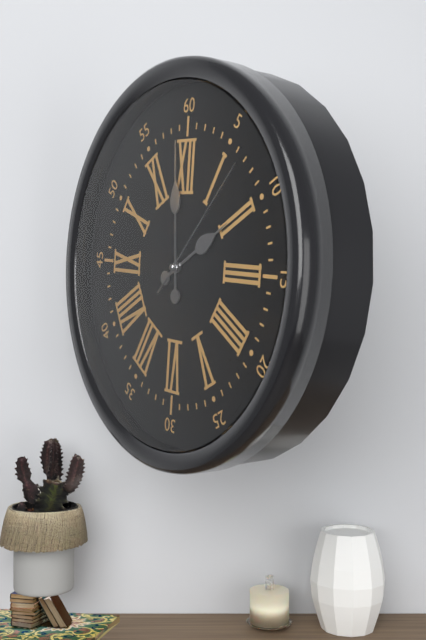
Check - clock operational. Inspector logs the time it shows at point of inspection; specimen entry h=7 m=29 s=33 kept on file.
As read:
h=1 m=59 s=7
